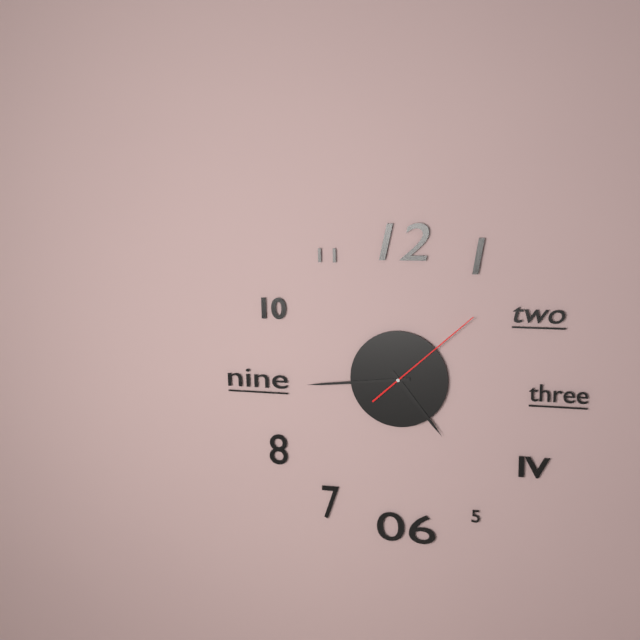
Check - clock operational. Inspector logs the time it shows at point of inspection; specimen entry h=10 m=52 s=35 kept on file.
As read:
h=4 m=44 s=8
